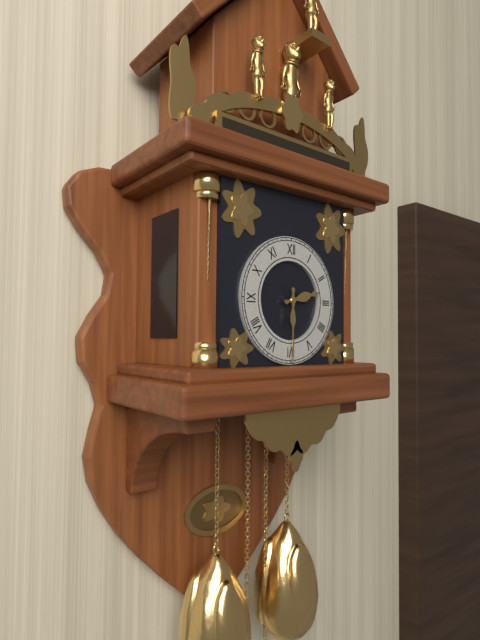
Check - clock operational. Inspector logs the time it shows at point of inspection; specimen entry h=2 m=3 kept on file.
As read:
h=2 m=30
